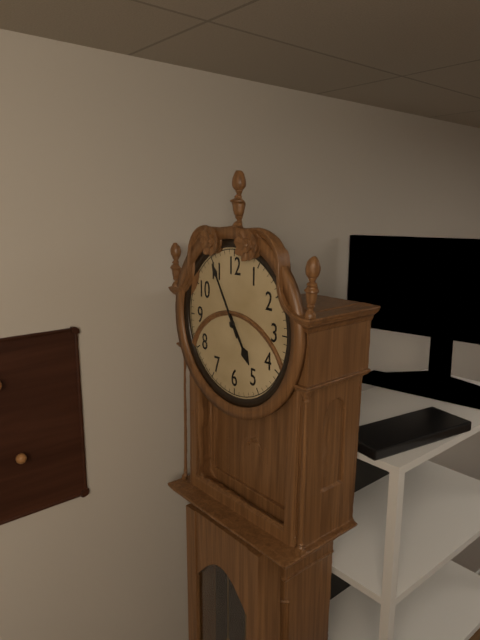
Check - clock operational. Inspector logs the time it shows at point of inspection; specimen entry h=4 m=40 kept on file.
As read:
h=4 m=55
